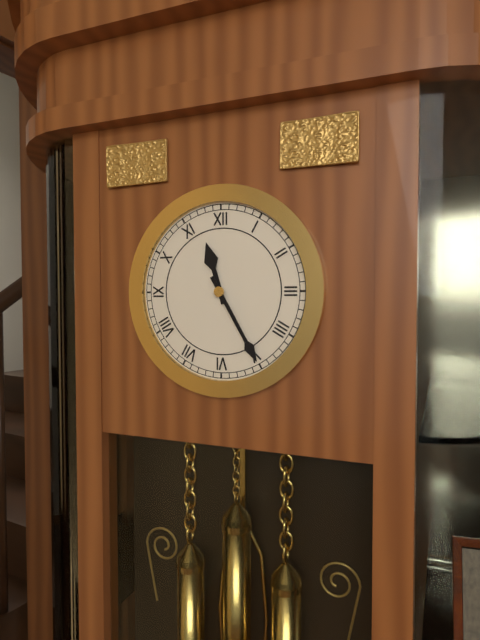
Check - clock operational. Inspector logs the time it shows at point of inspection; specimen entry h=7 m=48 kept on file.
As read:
h=11 m=25
